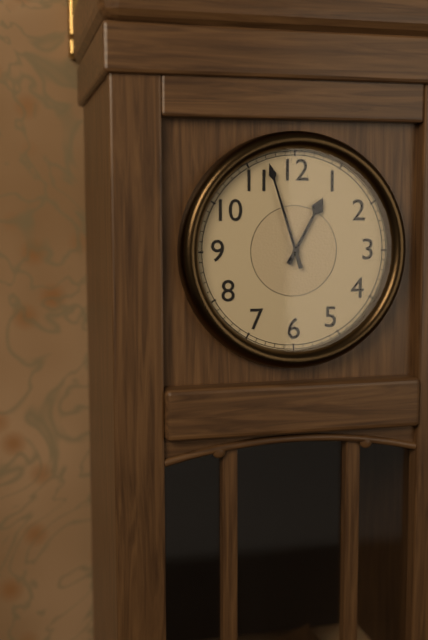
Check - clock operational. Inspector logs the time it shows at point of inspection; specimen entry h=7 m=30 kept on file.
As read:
h=12 m=57
